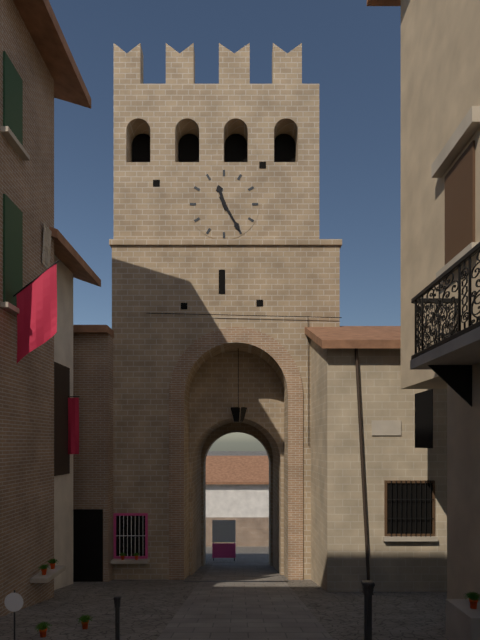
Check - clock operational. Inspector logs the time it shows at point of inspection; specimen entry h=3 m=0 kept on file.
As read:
h=11 m=25
